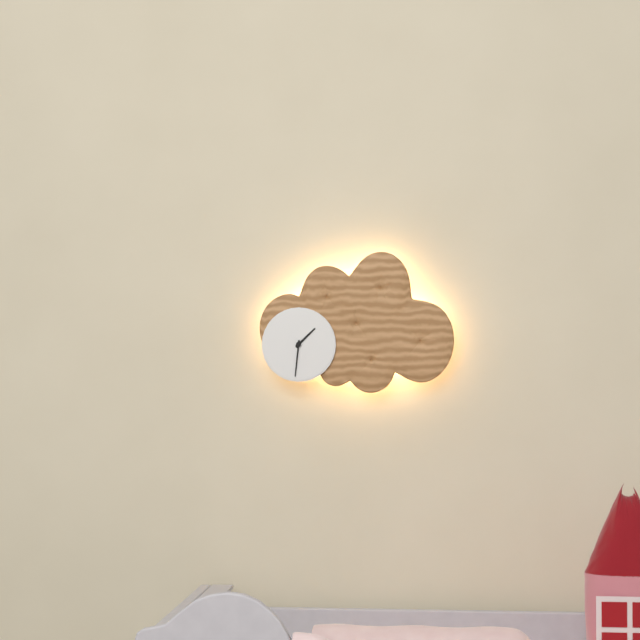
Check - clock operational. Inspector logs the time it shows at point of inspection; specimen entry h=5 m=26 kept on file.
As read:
h=1 m=31
